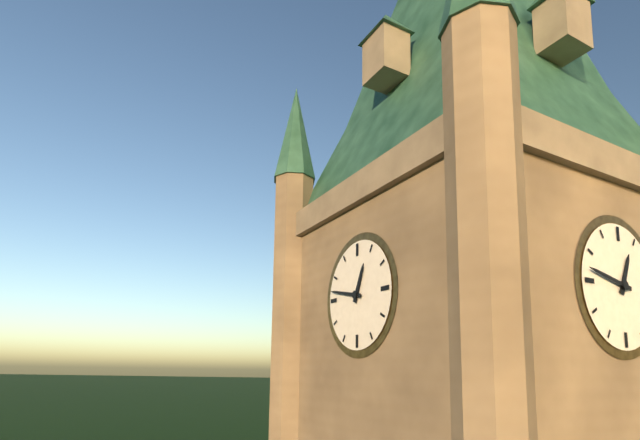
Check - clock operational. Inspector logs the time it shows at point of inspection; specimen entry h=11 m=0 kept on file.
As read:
h=12 m=47
